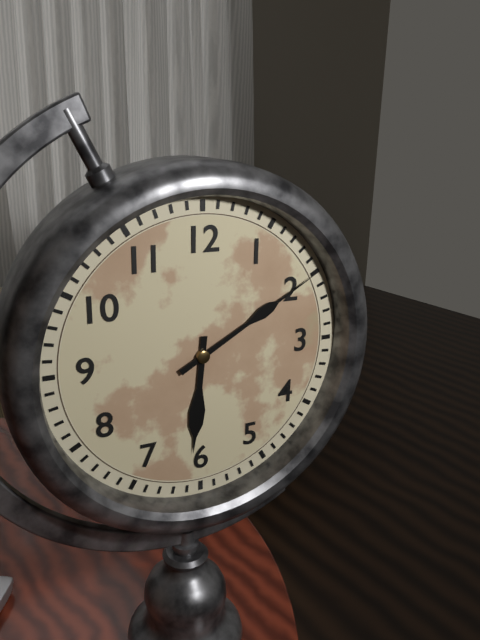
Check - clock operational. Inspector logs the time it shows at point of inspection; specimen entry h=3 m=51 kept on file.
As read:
h=6 m=10
